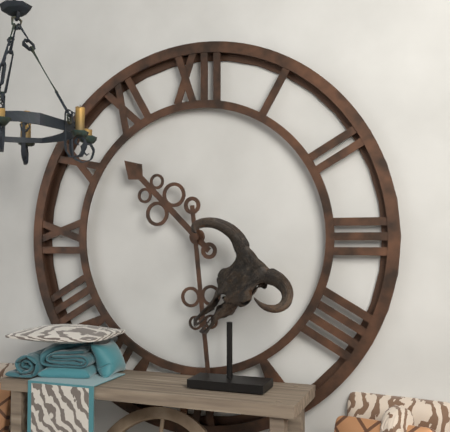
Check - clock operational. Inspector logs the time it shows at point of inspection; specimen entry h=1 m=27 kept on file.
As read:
h=10 m=29
